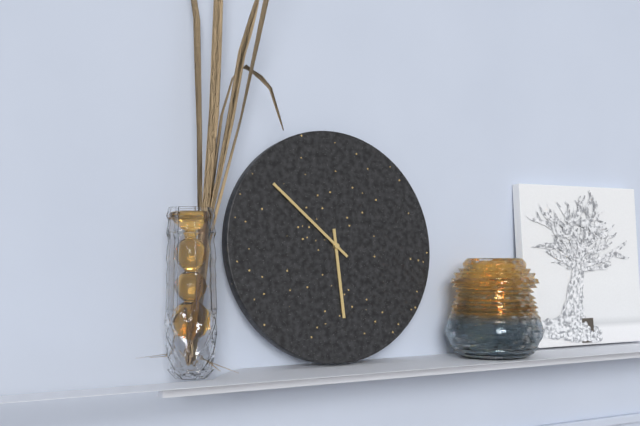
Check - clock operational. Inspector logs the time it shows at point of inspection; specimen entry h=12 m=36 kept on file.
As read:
h=5 m=52
